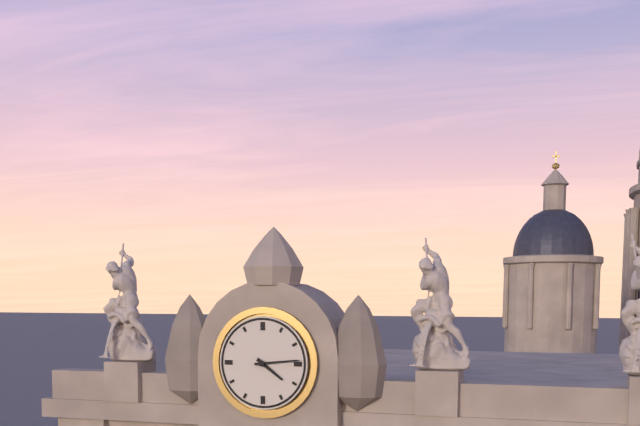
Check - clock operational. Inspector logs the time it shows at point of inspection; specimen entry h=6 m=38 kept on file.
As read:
h=4 m=14
